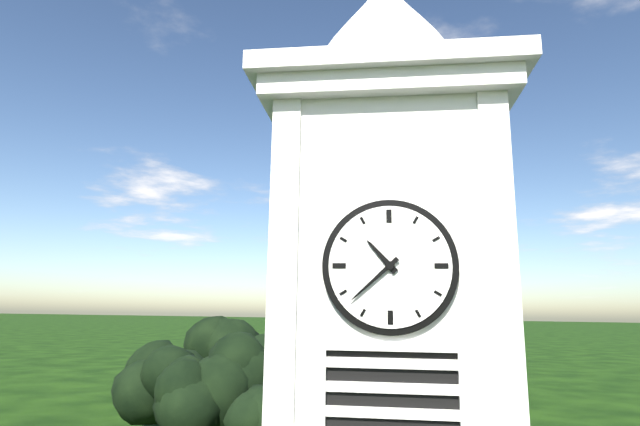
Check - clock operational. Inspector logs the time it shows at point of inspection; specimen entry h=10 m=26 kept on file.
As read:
h=10 m=38
